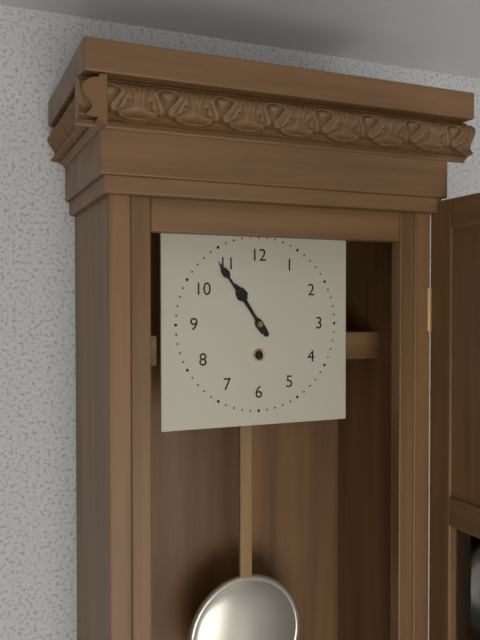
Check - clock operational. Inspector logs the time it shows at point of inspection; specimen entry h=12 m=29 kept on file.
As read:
h=10 m=54
